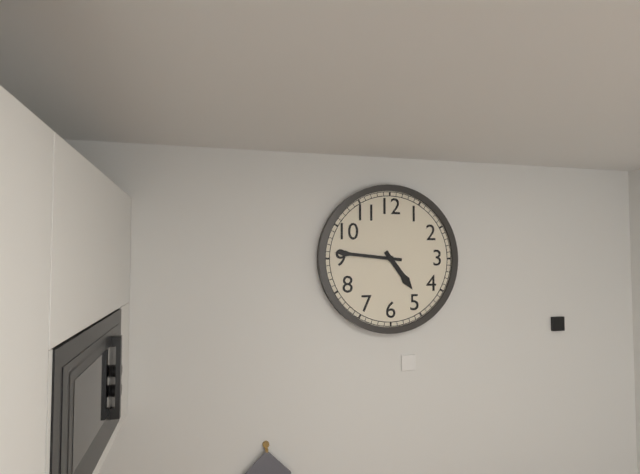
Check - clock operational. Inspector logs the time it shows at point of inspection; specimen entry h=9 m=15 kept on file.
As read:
h=4 m=46
